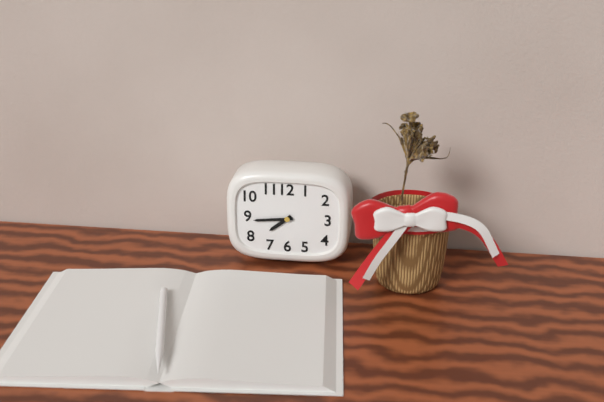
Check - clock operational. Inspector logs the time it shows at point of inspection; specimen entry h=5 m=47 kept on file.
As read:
h=7 m=44
